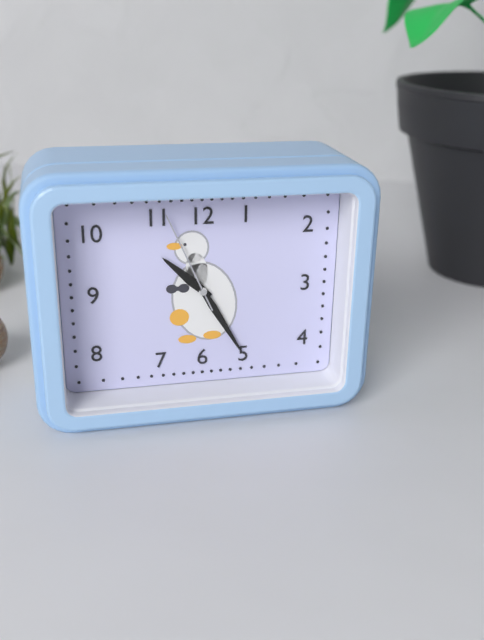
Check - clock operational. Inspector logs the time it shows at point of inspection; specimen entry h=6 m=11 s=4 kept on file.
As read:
h=10 m=25 s=56
